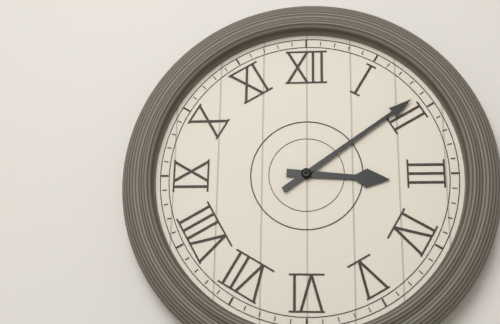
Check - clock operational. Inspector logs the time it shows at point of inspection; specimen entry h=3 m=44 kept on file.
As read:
h=3 m=9
